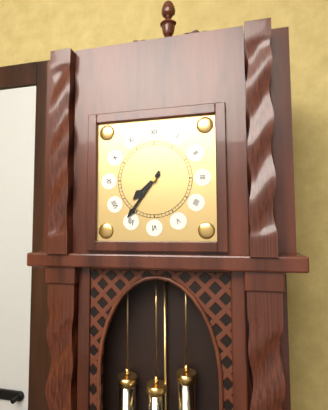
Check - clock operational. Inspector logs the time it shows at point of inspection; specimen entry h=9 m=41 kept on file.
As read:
h=7 m=36
